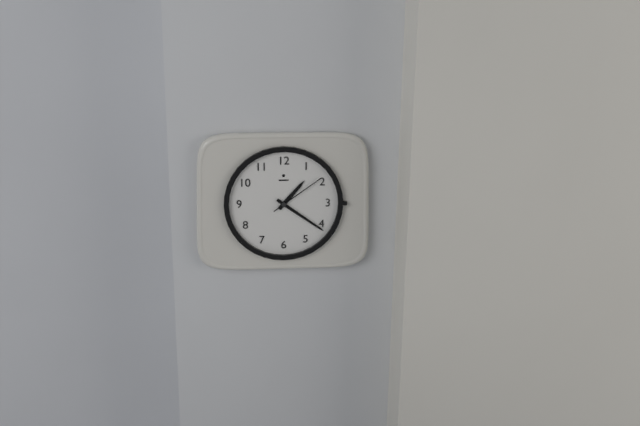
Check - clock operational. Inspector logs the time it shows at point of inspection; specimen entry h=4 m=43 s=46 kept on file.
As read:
h=1 m=21 s=9
